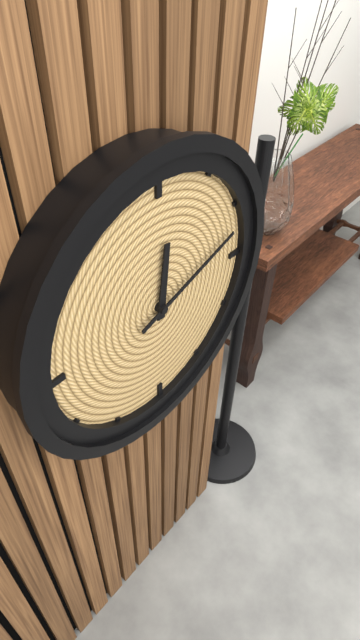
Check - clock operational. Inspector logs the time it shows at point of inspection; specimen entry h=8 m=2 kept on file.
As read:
h=12 m=12
